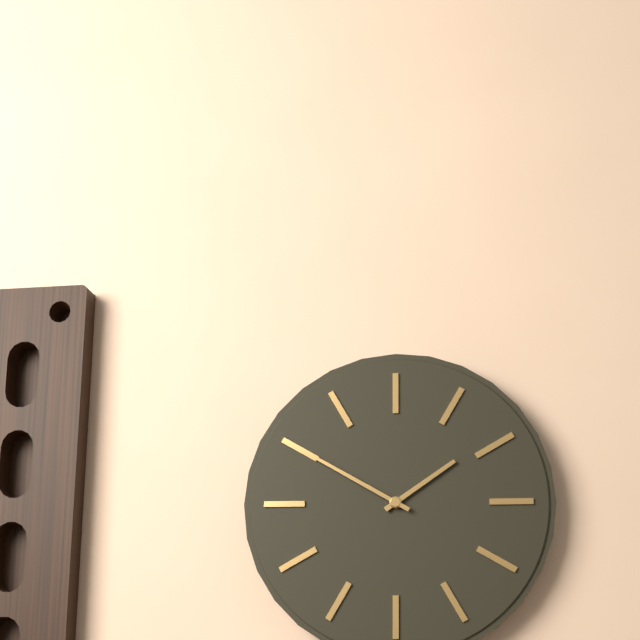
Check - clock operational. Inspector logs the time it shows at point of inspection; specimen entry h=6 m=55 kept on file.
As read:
h=1 m=50
